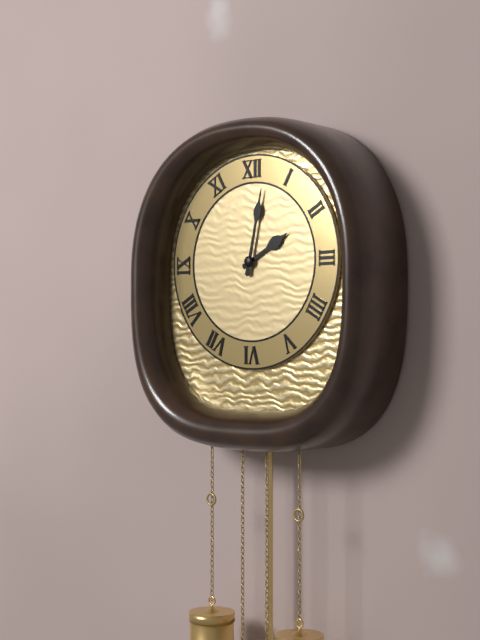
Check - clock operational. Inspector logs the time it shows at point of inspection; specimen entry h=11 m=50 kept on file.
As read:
h=2 m=2
